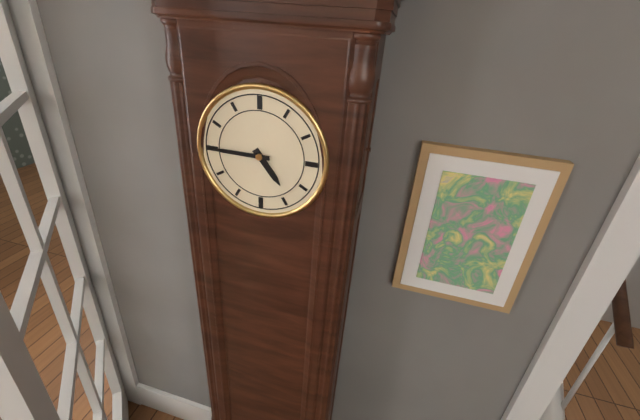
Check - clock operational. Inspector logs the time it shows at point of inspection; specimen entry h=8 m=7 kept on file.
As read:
h=4 m=45
